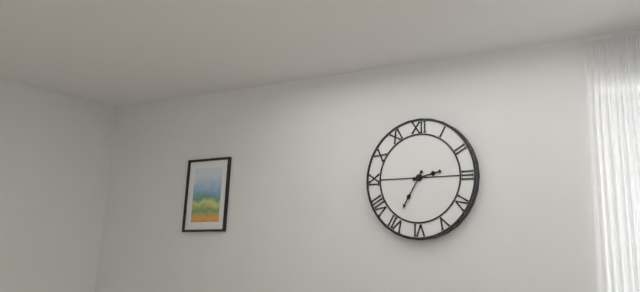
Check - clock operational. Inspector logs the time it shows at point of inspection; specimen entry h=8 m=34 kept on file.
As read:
h=2 m=35
